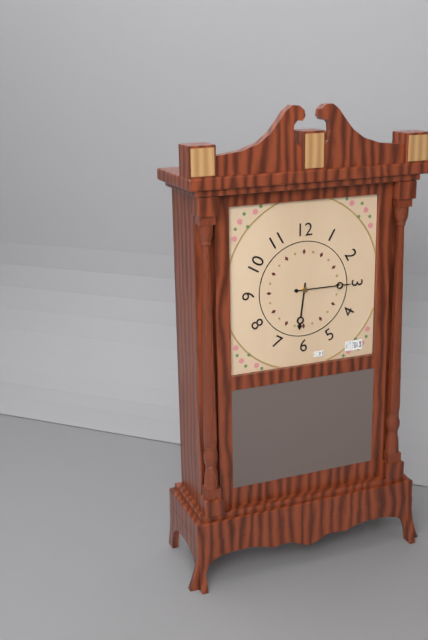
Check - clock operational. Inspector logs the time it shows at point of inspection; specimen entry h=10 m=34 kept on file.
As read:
h=6 m=15
